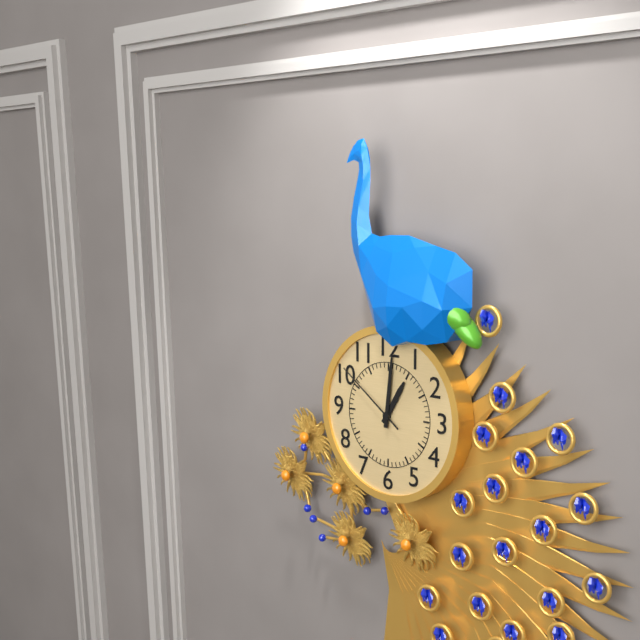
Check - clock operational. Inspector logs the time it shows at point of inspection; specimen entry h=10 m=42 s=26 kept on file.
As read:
h=1 m=1 s=51
